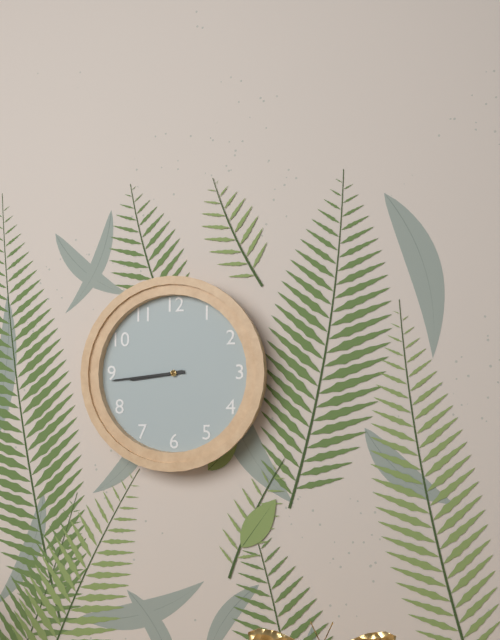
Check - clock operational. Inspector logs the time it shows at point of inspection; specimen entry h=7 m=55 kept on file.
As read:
h=8 m=44
